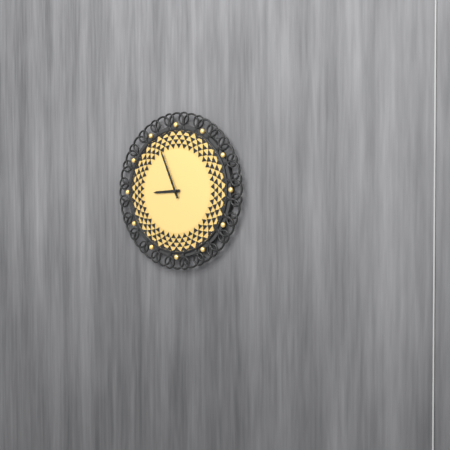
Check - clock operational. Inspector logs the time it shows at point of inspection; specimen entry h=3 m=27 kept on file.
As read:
h=8 m=56
